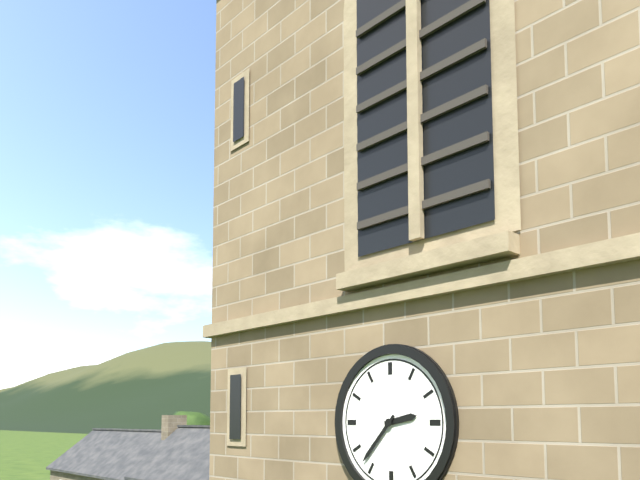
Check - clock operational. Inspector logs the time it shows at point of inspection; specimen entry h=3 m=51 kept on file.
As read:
h=2 m=37
